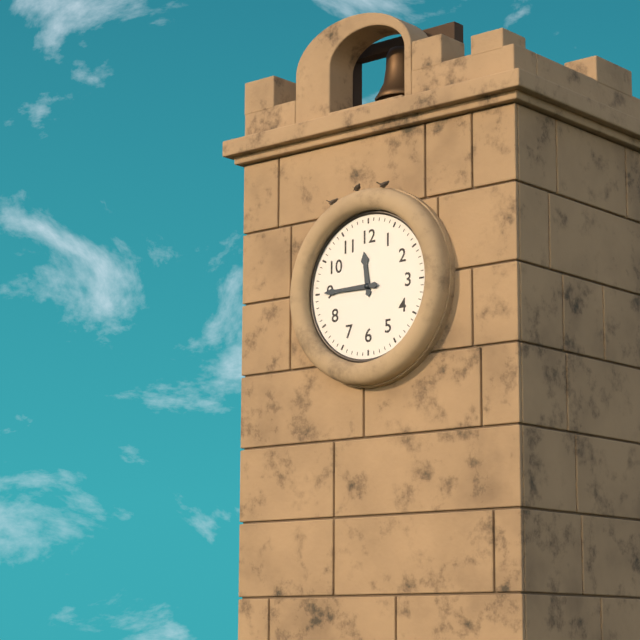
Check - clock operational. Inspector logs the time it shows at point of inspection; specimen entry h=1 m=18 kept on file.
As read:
h=11 m=45
